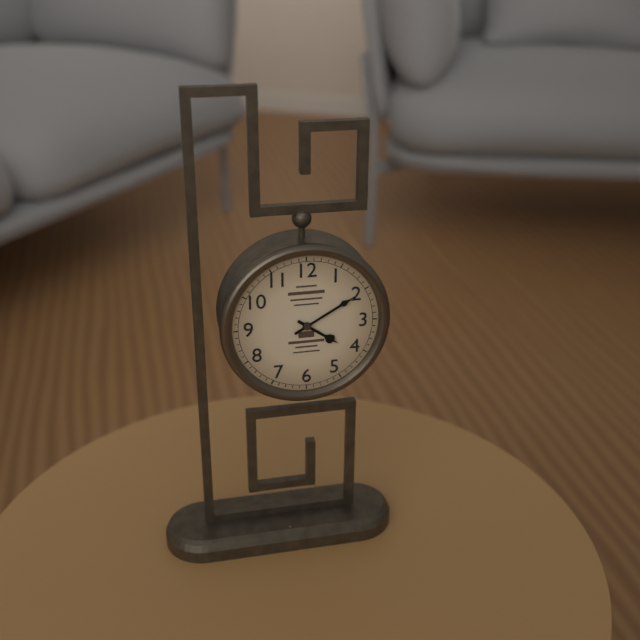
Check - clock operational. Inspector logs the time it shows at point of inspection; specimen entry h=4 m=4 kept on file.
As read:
h=4 m=10
